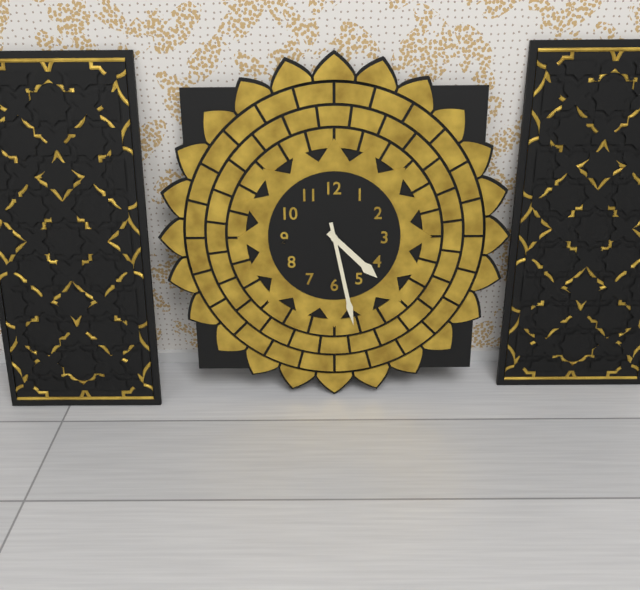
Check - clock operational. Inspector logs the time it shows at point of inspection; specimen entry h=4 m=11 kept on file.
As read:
h=4 m=28
